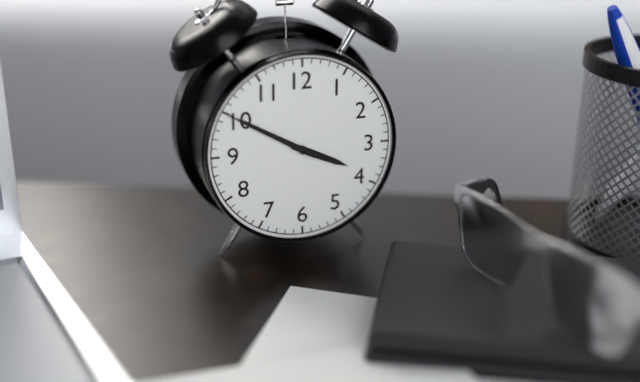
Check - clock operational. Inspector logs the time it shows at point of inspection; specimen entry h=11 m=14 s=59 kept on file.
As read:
h=3 m=50 s=50
